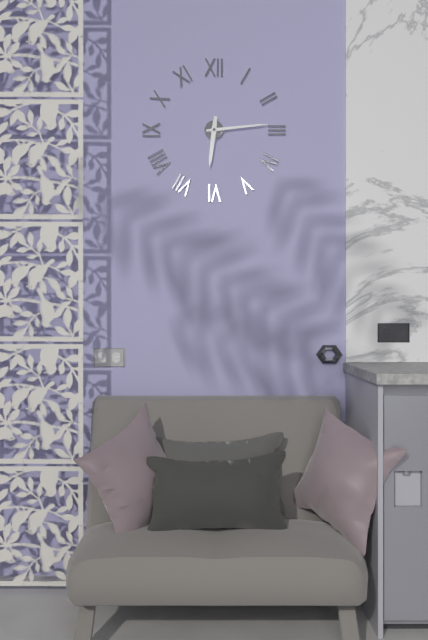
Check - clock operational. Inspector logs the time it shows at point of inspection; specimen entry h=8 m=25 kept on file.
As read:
h=6 m=14
